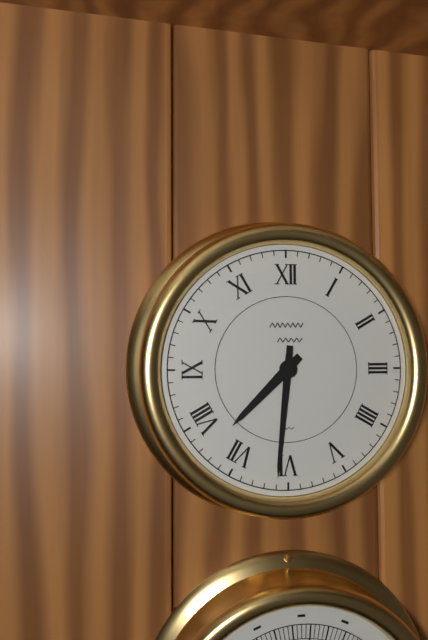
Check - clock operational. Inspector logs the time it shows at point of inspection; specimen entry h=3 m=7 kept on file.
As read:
h=7 m=31
